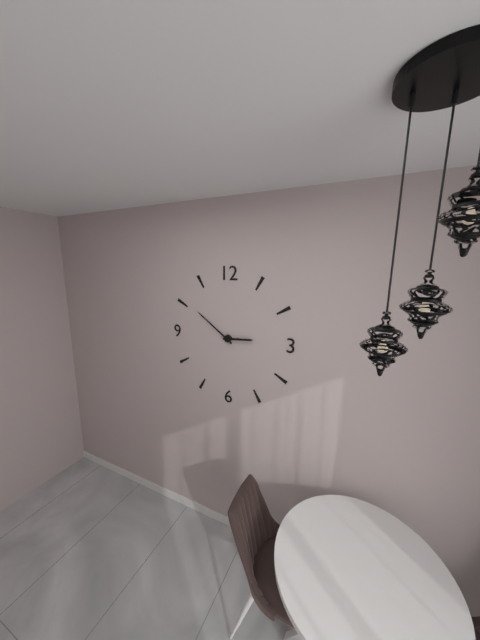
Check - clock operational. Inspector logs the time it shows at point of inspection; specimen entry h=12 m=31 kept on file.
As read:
h=2 m=51
